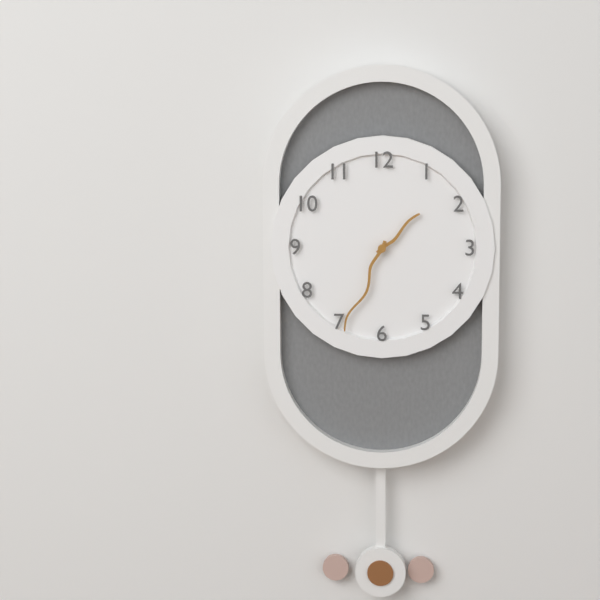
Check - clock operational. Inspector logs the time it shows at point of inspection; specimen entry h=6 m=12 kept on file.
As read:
h=1 m=34
